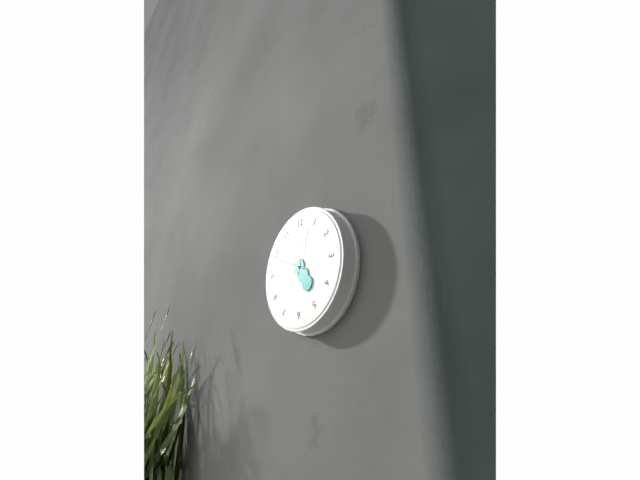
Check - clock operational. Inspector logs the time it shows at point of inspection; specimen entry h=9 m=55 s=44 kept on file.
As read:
h=4 m=49 s=2
